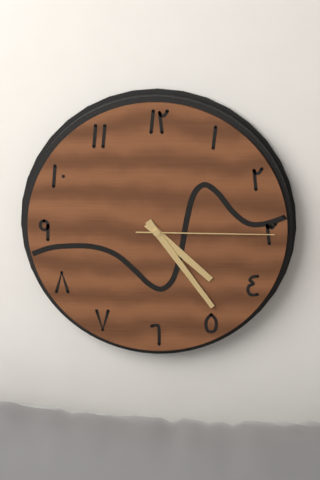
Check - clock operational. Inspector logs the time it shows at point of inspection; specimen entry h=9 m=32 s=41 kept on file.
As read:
h=4 m=24 s=15
